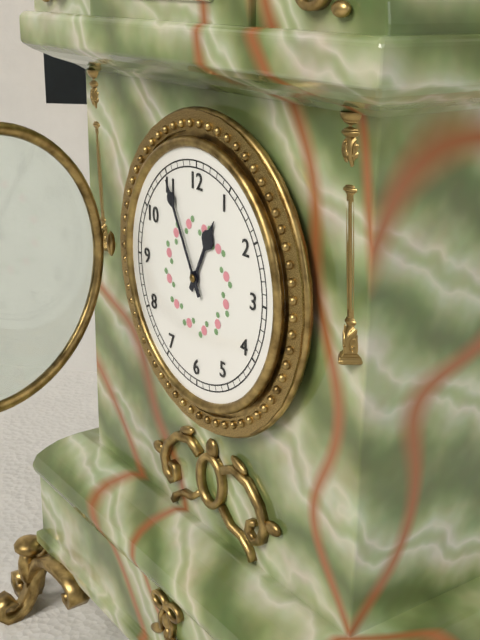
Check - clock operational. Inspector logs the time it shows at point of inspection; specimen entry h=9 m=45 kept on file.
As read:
h=12 m=55
